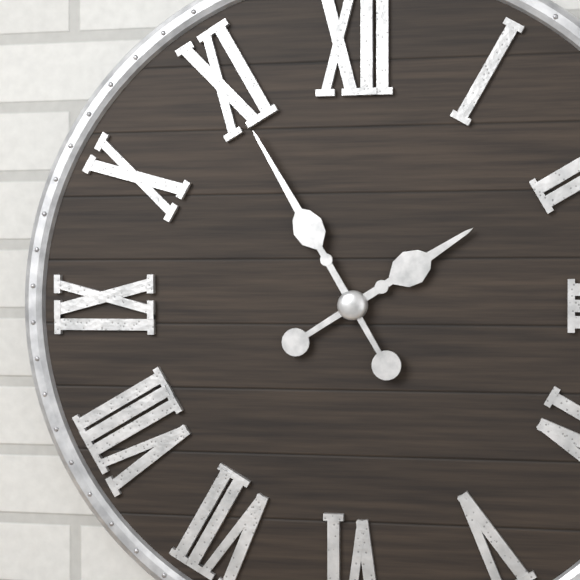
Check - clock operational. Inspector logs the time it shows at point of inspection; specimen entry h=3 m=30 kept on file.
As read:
h=1 m=55
